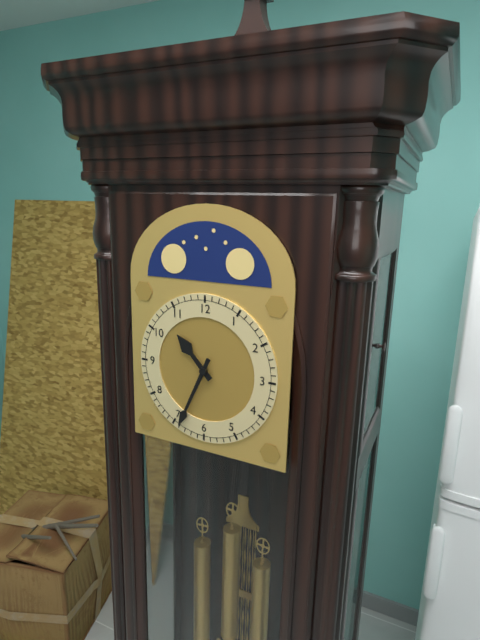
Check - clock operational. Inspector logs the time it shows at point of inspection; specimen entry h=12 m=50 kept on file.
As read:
h=10 m=34
